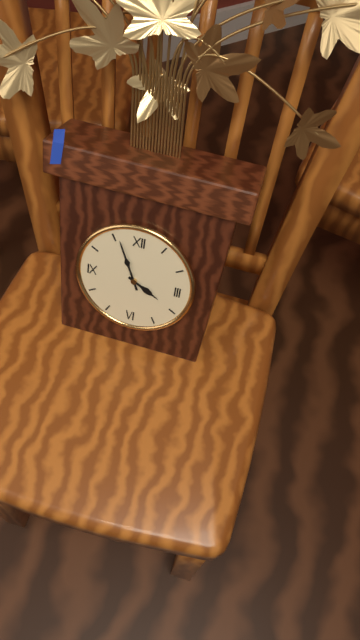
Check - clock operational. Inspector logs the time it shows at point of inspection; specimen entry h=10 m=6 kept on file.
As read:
h=3 m=56
